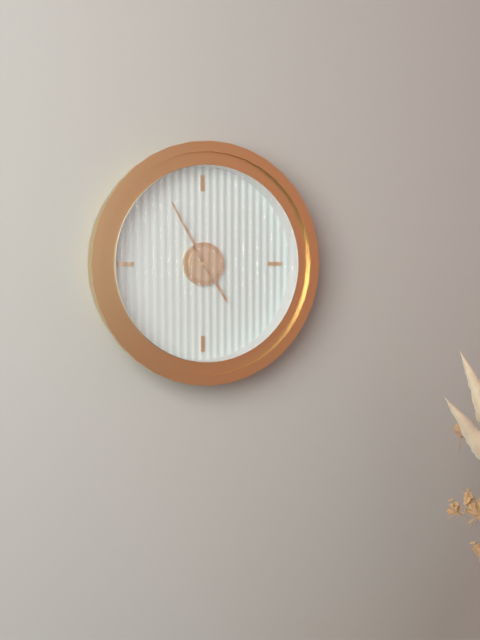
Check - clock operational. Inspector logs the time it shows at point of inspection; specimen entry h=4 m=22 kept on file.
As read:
h=4 m=55
